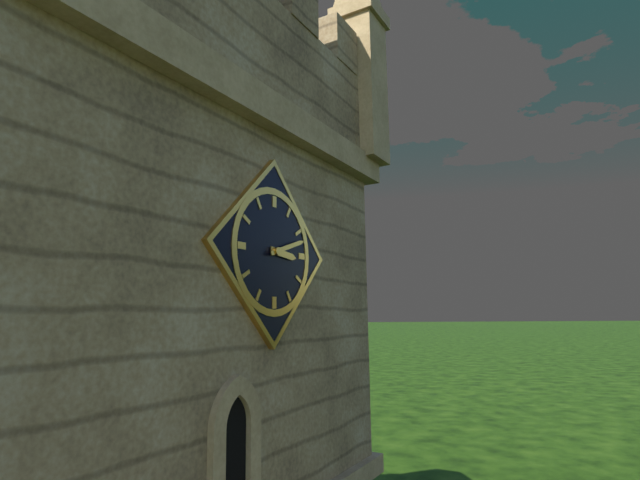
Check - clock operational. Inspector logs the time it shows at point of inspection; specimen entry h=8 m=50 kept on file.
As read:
h=3 m=12
